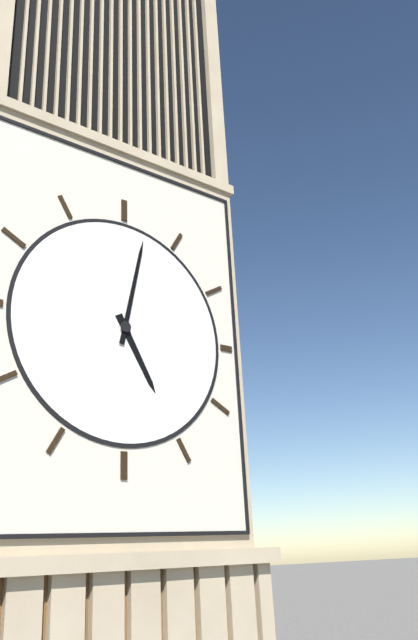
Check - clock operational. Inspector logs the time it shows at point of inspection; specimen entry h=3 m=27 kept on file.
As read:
h=5 m=2
